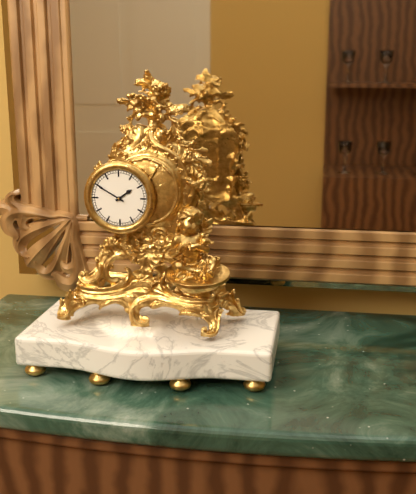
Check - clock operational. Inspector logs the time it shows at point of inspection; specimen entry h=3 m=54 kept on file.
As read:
h=1 m=50
